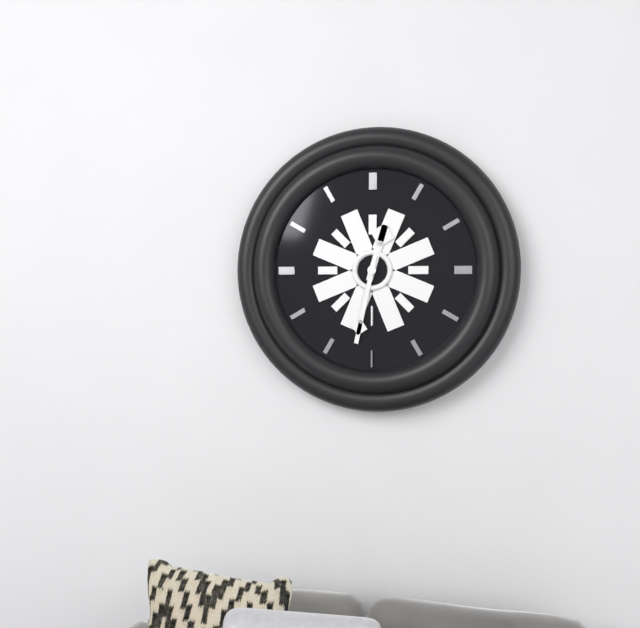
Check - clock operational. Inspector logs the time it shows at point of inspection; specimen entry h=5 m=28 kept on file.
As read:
h=12 m=32
